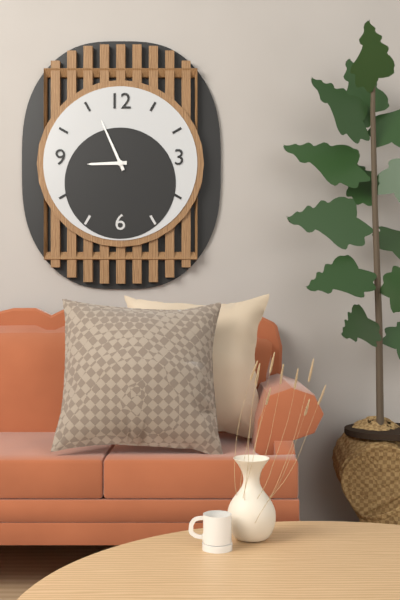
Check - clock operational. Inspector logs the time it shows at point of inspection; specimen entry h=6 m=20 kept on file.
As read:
h=8 m=56
